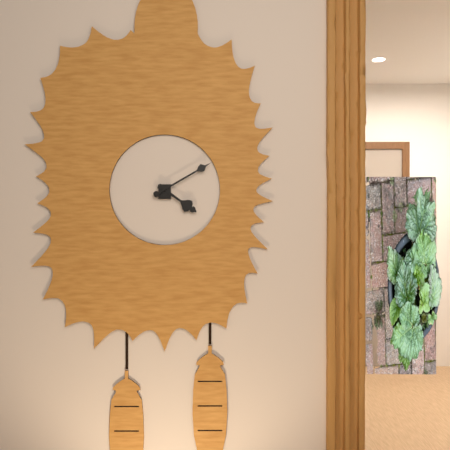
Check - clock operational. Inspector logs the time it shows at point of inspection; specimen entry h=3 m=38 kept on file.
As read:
h=4 m=10
